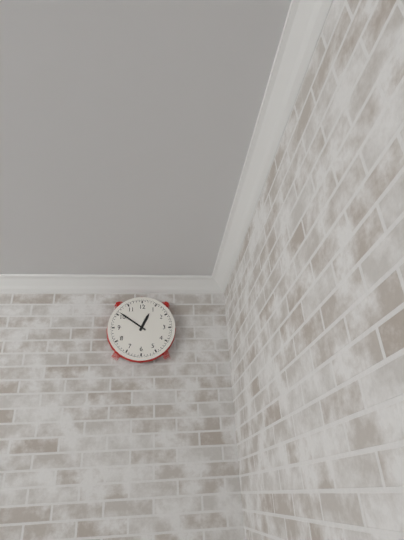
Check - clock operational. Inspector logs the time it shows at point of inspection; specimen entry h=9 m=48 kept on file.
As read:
h=12 m=51
